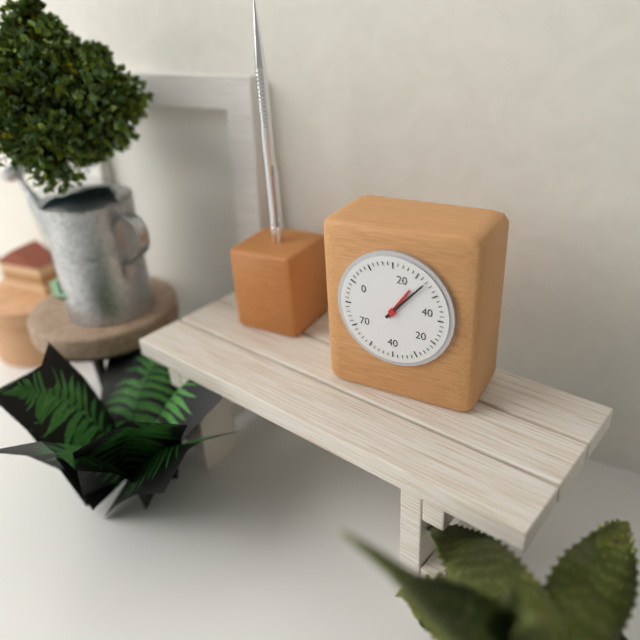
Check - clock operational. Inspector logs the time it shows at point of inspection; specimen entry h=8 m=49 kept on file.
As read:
h=1 m=7
